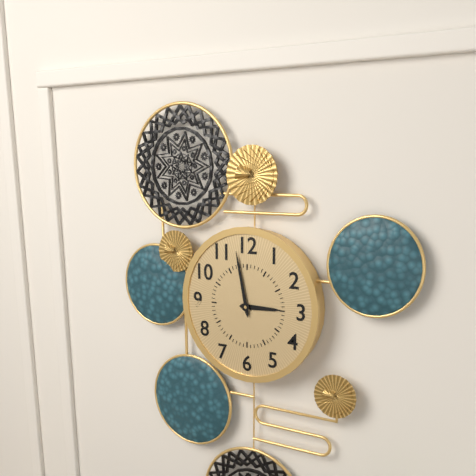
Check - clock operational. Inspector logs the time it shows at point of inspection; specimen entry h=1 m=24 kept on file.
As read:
h=2 m=58
